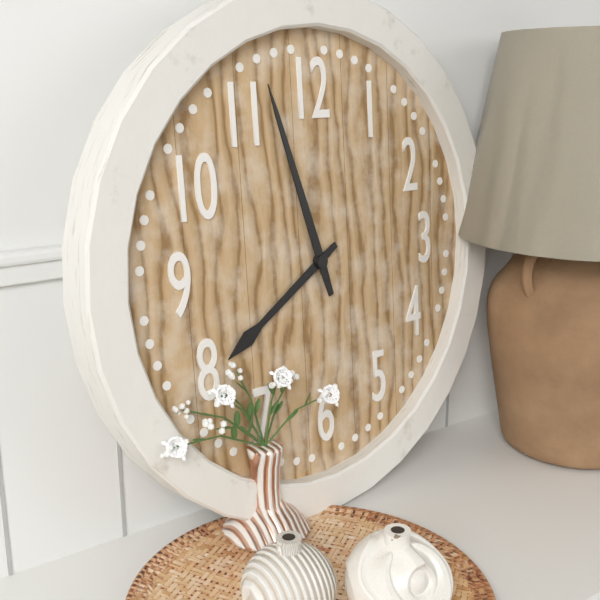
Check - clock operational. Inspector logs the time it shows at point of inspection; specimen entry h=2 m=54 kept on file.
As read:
h=7 m=57
